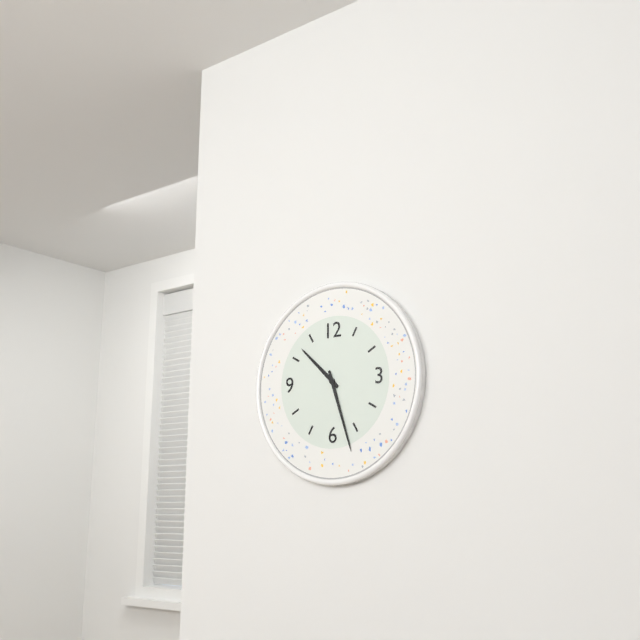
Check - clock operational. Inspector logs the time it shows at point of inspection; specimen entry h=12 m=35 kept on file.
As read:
h=10 m=27
